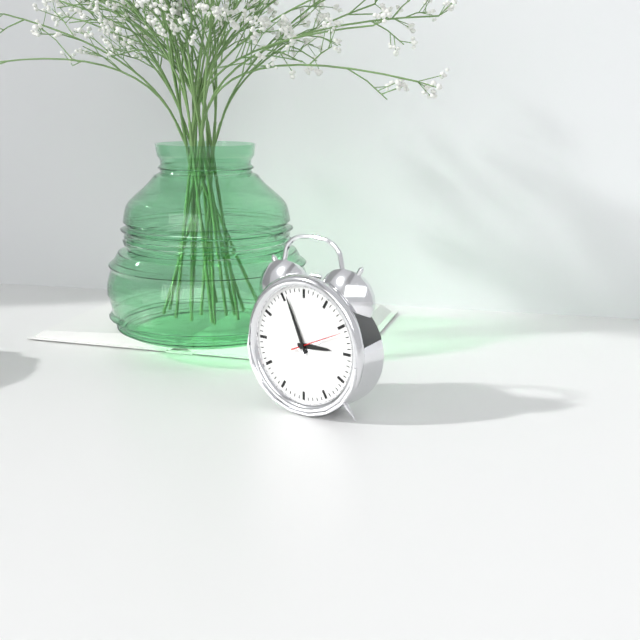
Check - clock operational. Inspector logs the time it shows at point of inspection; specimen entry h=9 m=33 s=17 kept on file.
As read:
h=2 m=56 s=11
